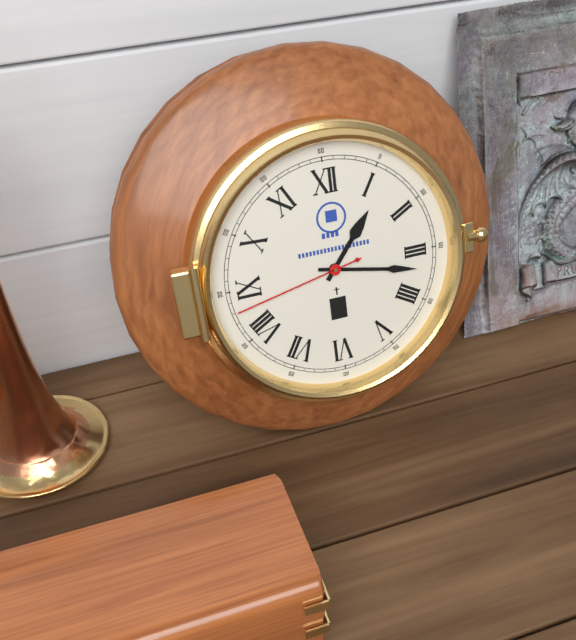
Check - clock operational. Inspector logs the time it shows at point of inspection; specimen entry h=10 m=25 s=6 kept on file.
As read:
h=1 m=17 s=43
